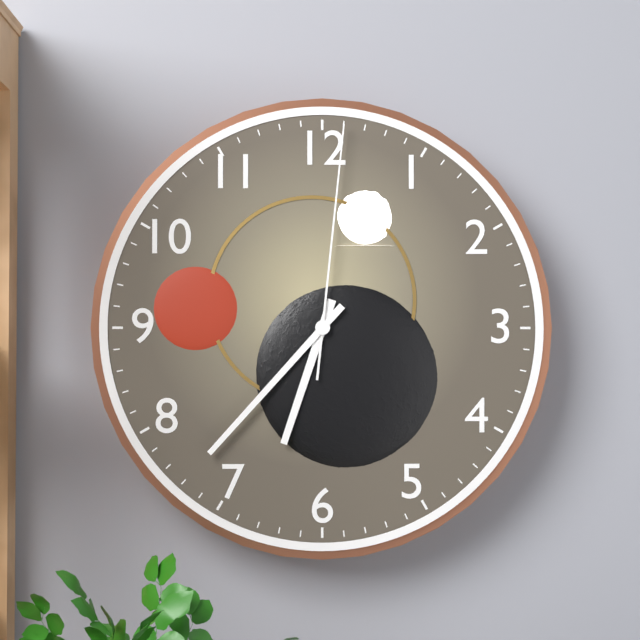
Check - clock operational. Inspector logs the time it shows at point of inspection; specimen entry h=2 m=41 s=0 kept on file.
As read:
h=6 m=37 s=1
